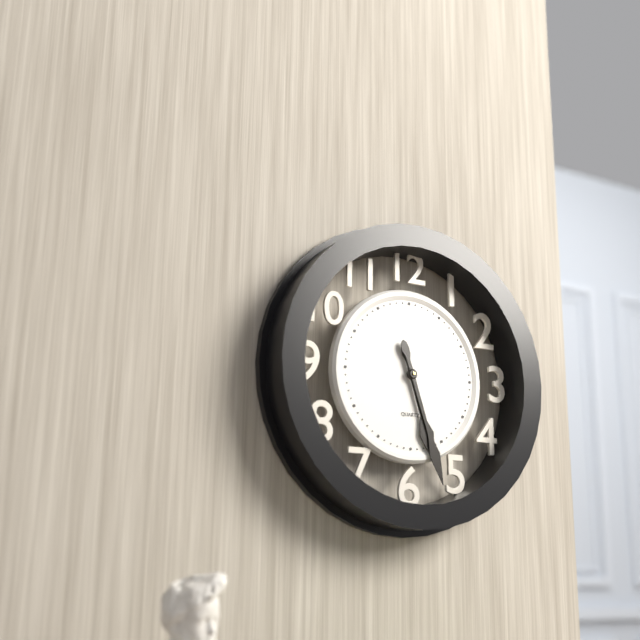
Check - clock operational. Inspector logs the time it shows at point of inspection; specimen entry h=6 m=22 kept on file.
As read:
h=5 m=27
